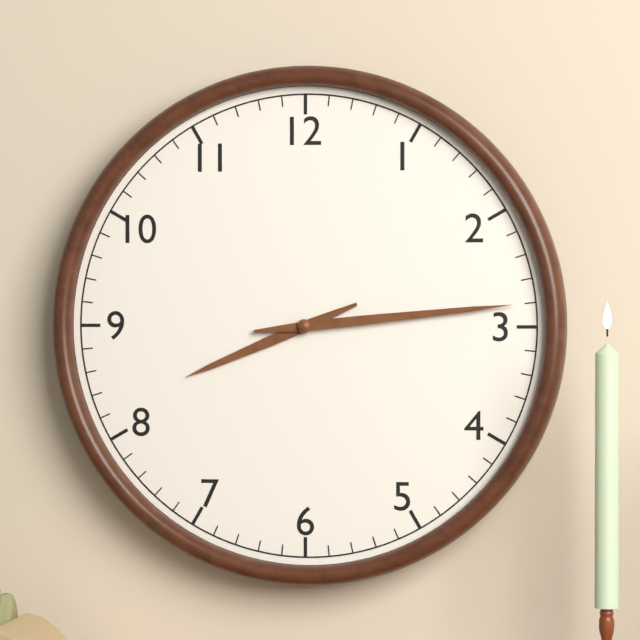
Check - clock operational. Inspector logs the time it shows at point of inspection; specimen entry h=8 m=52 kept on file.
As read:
h=8 m=14
